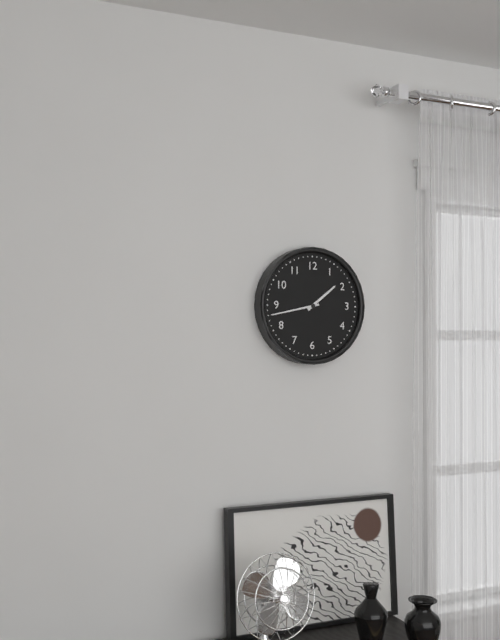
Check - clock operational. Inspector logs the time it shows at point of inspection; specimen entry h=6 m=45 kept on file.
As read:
h=1 m=43
